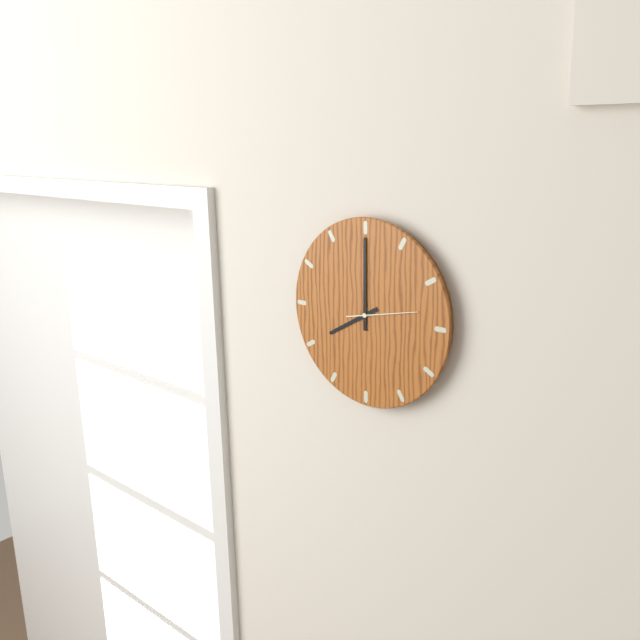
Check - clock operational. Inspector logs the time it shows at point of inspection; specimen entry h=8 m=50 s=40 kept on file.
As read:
h=8 m=0 s=13
